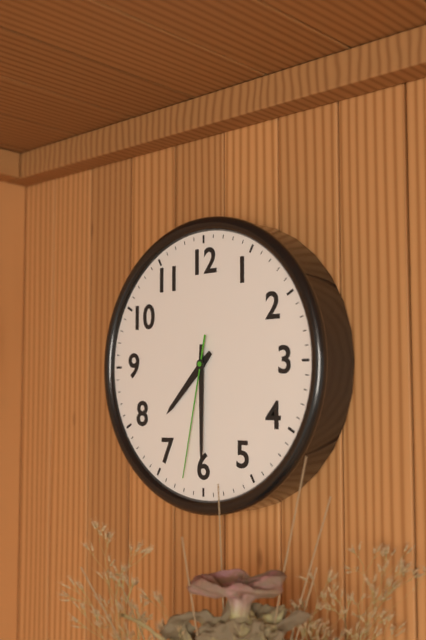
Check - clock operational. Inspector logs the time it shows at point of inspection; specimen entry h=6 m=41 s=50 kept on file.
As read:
h=7 m=30 s=32
